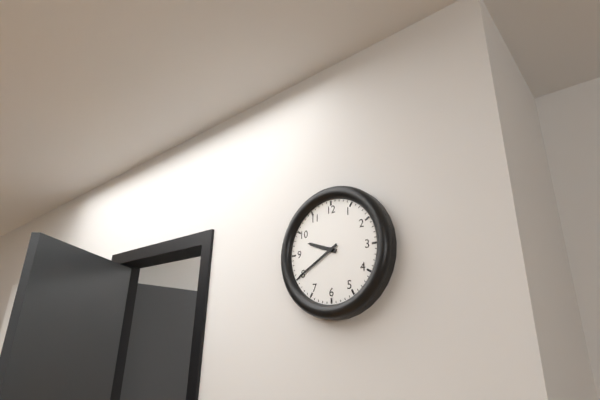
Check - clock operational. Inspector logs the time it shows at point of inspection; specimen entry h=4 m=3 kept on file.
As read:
h=9 m=40
